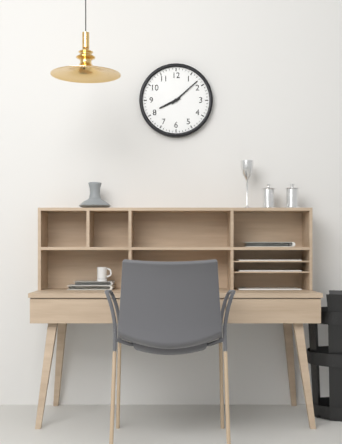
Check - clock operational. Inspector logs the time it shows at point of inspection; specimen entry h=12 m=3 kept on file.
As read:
h=8 m=8
